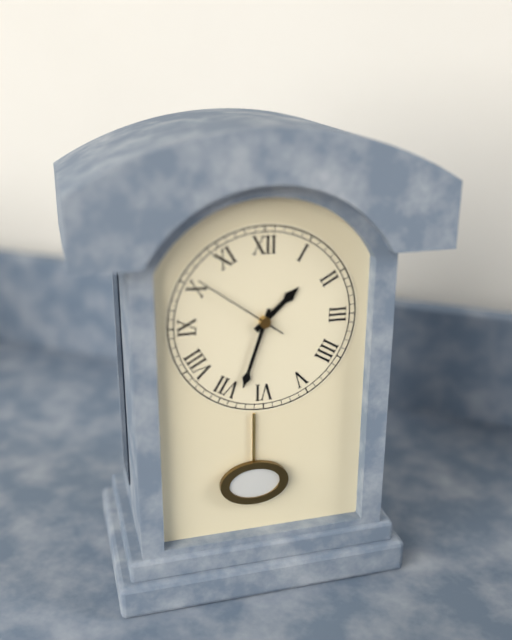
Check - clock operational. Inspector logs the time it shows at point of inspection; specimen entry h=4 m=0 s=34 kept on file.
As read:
h=1 m=33 s=51
